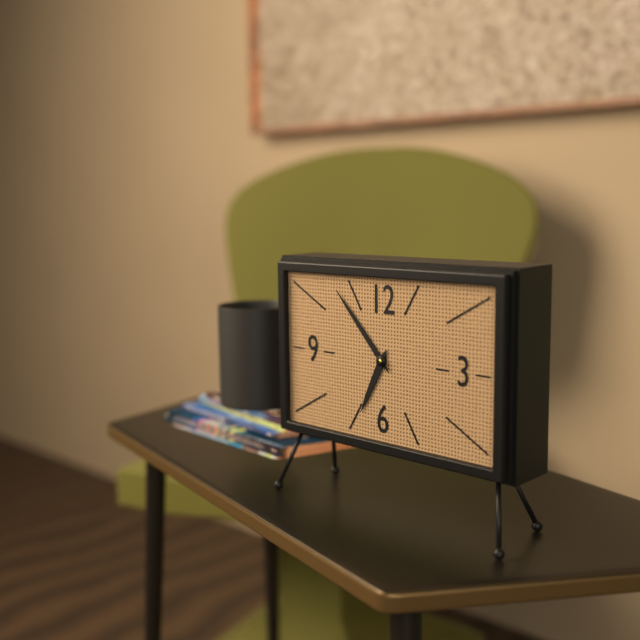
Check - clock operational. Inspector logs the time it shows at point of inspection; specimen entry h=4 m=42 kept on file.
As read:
h=6 m=53
